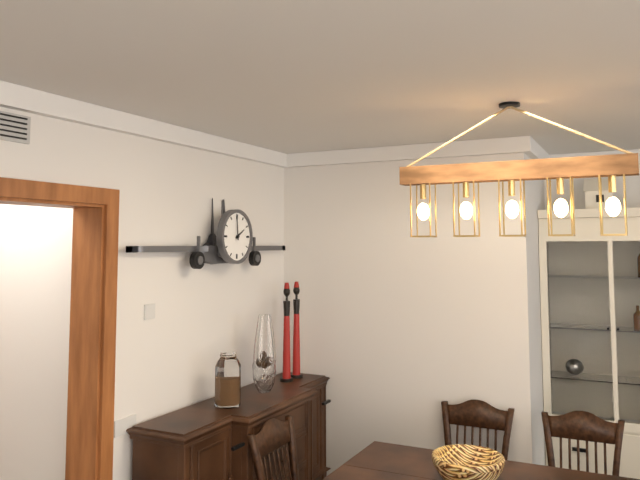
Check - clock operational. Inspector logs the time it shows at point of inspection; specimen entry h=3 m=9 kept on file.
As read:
h=1 m=59
